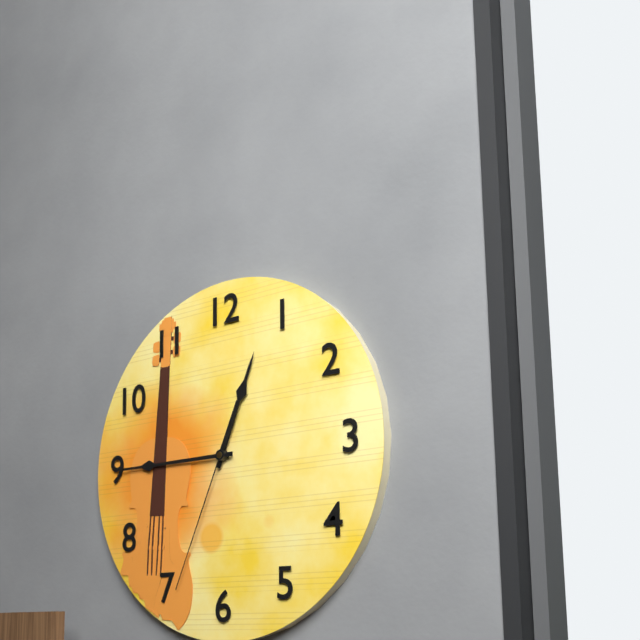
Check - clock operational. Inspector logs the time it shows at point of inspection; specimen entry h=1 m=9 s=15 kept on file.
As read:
h=12 m=45 s=34
